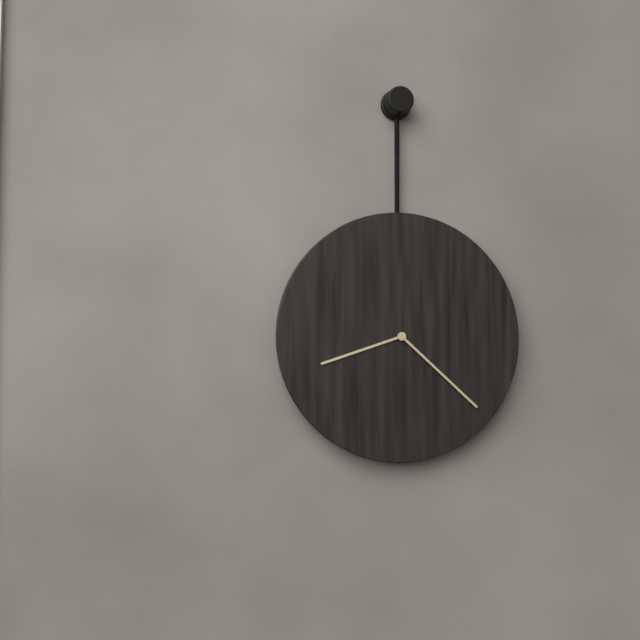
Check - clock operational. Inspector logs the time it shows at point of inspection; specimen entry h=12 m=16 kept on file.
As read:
h=8 m=22
